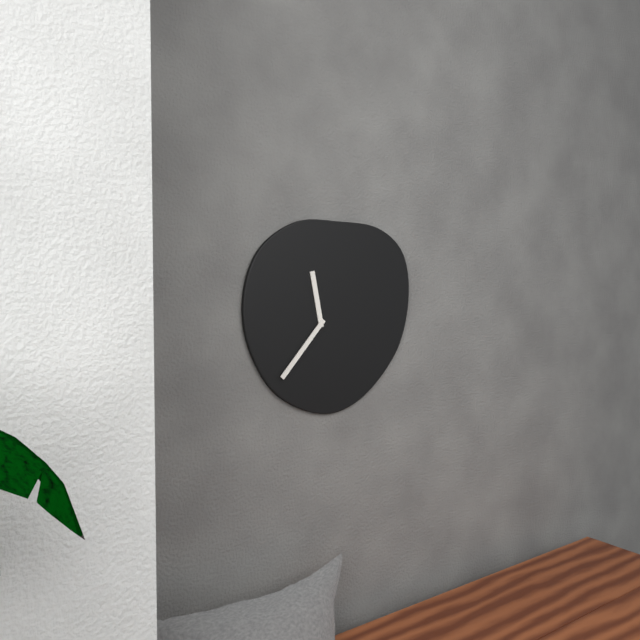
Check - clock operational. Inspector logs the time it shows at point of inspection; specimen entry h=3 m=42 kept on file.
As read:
h=11 m=37
